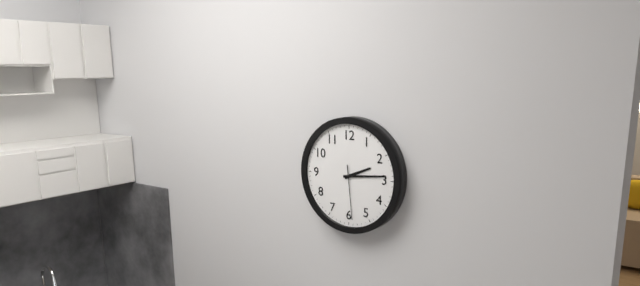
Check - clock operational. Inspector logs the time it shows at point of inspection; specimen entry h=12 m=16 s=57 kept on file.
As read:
h=2 m=14 s=29
